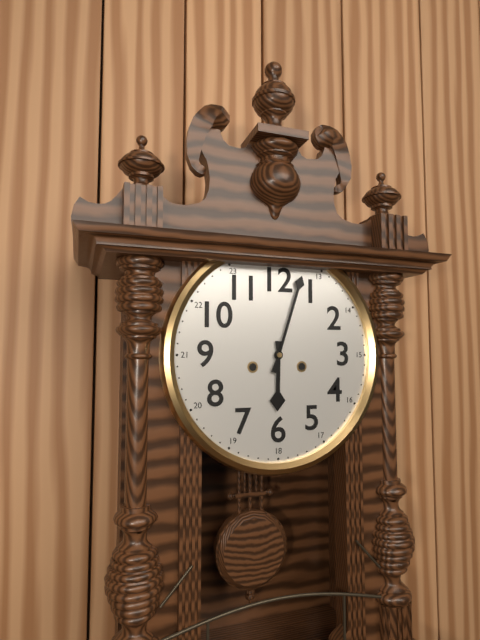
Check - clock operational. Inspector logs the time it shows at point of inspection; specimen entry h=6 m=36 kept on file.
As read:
h=6 m=3
